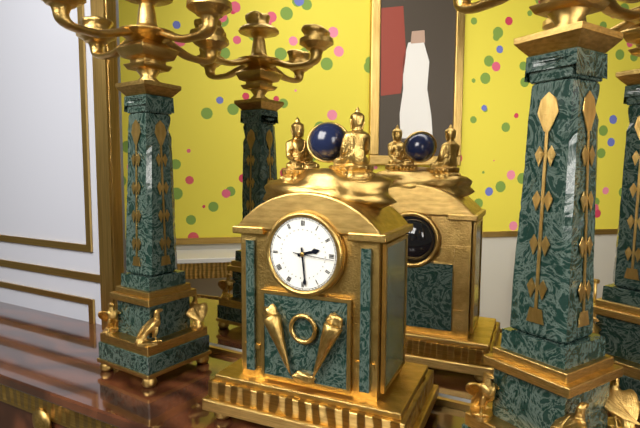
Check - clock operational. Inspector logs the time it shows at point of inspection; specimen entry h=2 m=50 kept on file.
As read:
h=2 m=29
